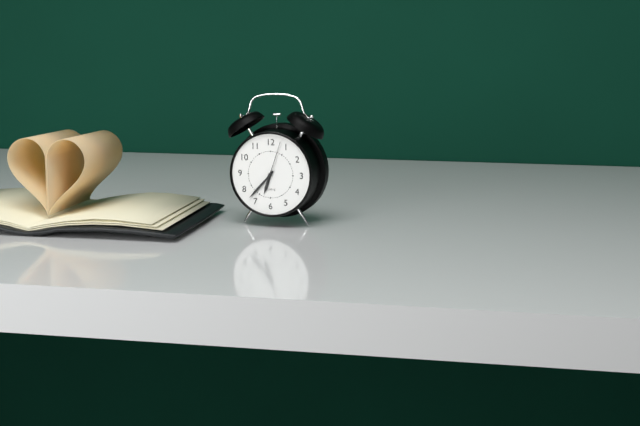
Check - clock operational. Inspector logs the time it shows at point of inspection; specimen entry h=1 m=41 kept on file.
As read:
h=6 m=37
